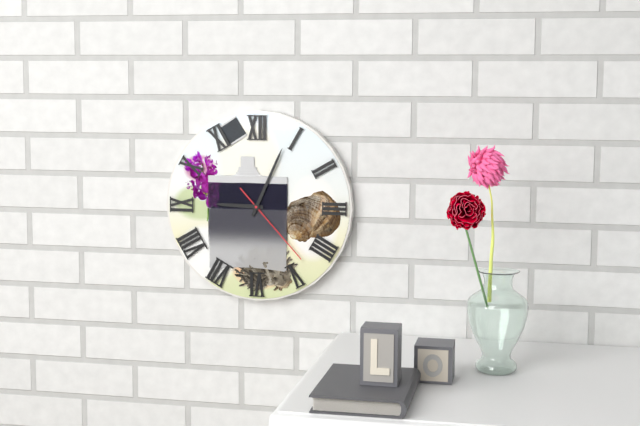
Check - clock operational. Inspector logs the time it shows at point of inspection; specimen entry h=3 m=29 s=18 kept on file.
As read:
h=9 m=4 s=23
